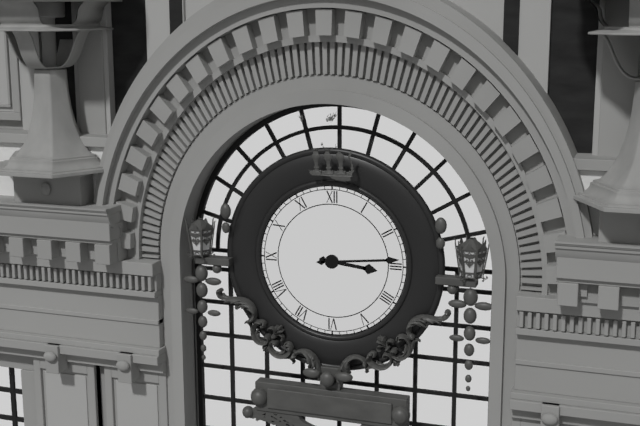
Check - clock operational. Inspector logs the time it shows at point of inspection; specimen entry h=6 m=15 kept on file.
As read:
h=3 m=14
